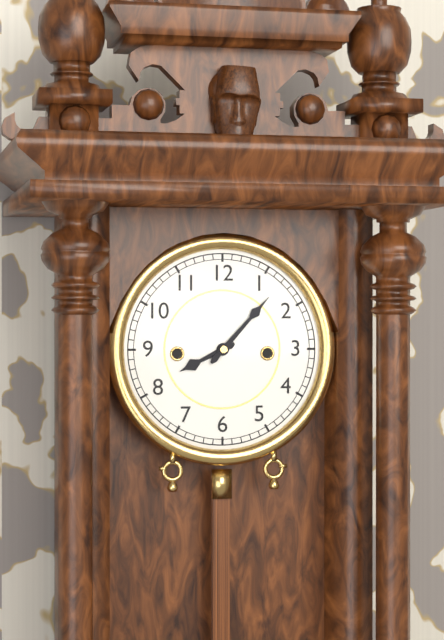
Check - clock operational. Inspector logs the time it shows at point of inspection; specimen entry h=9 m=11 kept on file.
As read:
h=8 m=7
